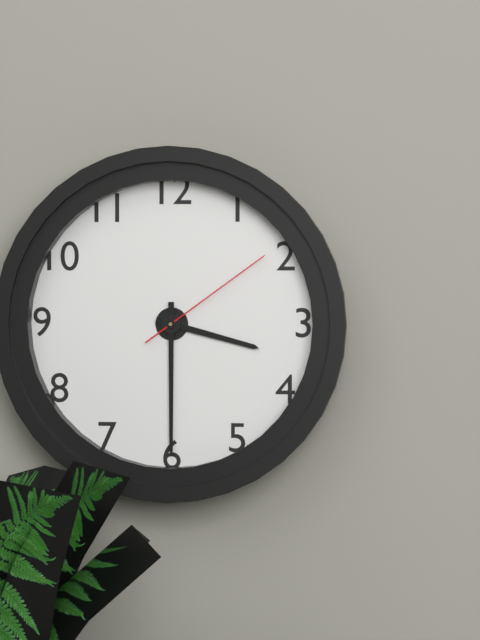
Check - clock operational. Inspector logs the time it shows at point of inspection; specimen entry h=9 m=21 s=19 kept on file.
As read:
h=3 m=30 s=9
